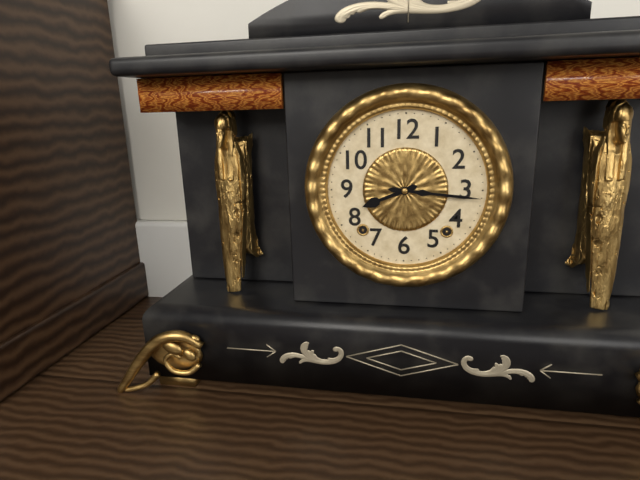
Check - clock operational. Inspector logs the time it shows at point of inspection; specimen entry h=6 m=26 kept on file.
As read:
h=8 m=16
